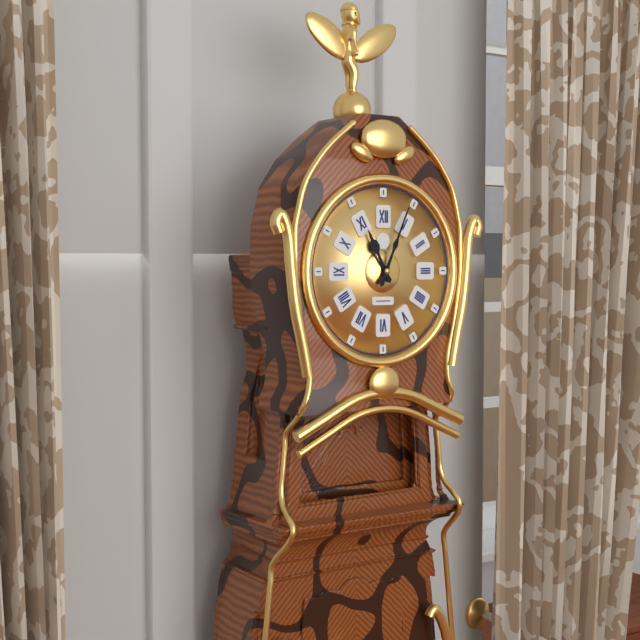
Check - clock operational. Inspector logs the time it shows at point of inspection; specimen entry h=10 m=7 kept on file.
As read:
h=11 m=4
